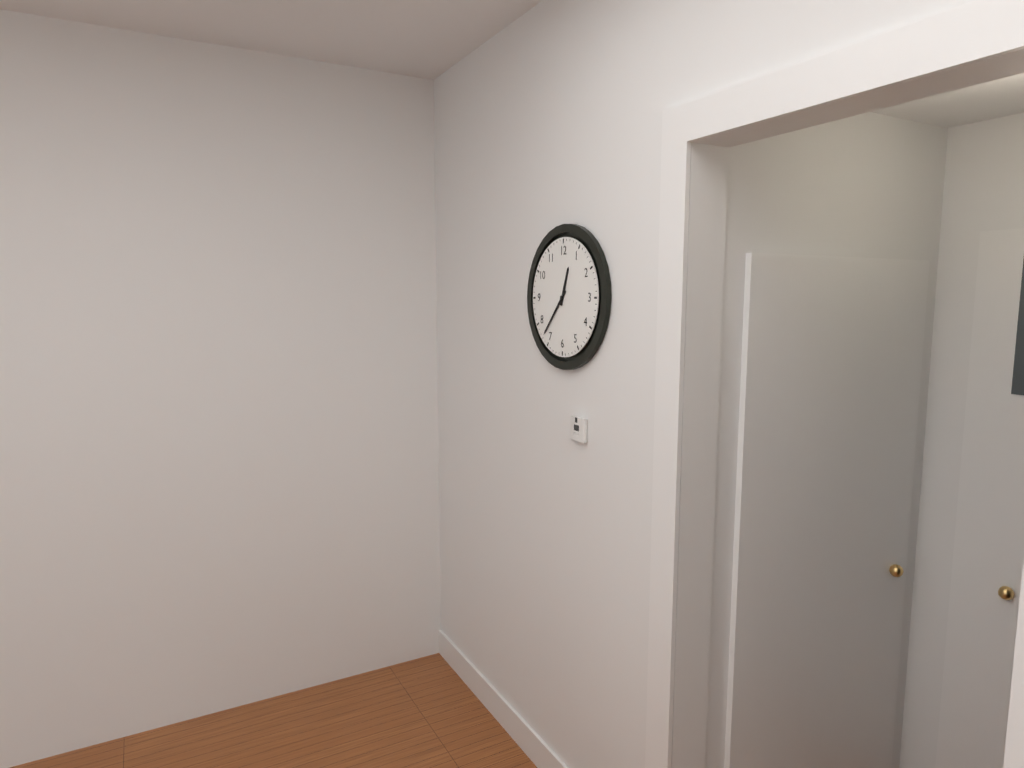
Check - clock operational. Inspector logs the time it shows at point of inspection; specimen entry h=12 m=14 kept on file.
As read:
h=12 m=37
